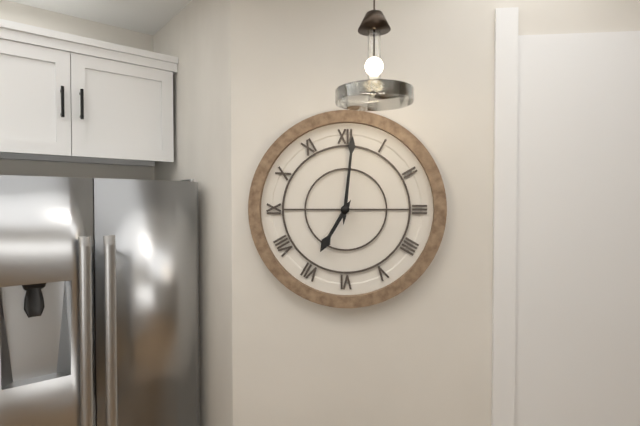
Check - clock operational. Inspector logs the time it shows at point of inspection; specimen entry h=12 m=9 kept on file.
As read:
h=7 m=1
